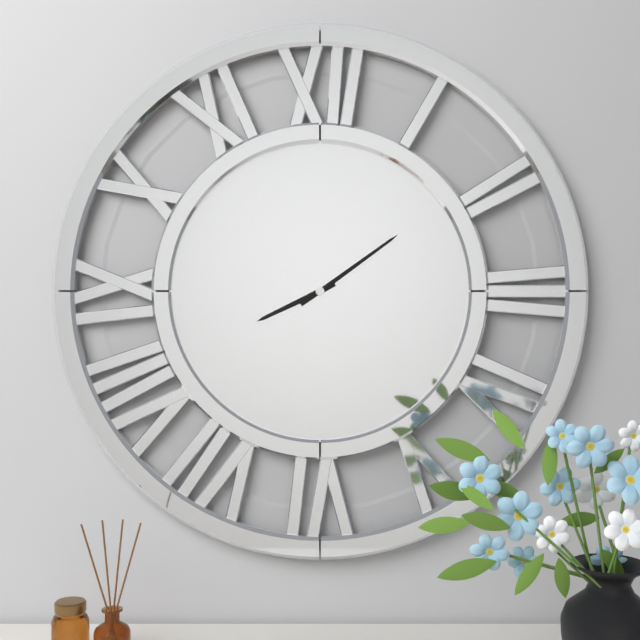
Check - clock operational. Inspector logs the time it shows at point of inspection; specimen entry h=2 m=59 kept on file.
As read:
h=8 m=9
